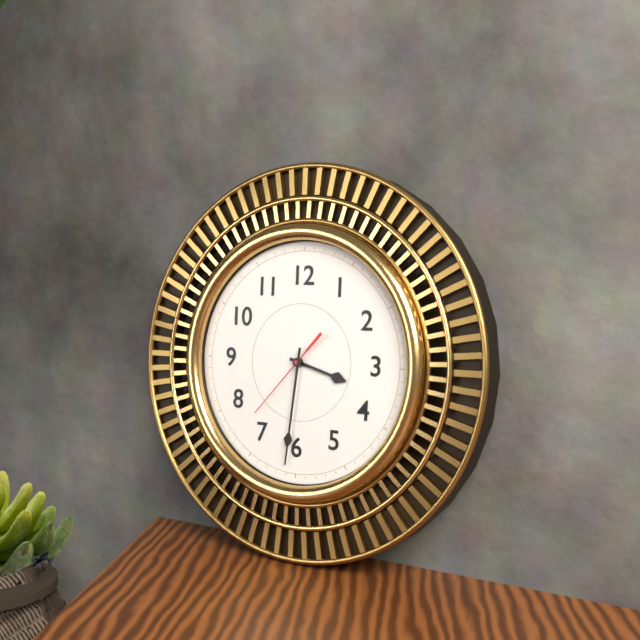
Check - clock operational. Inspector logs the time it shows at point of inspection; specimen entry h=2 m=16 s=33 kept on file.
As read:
h=3 m=31 s=37
